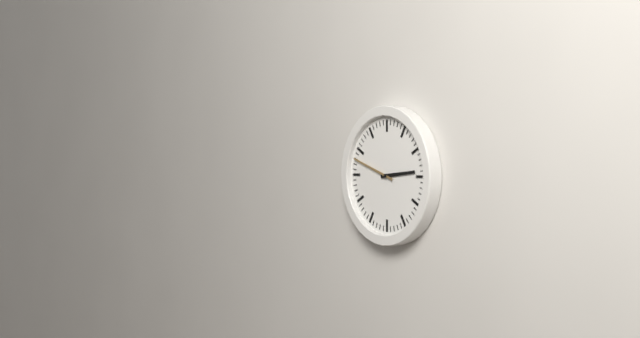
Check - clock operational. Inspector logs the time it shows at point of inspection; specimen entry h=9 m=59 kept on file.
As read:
h=2 m=48
